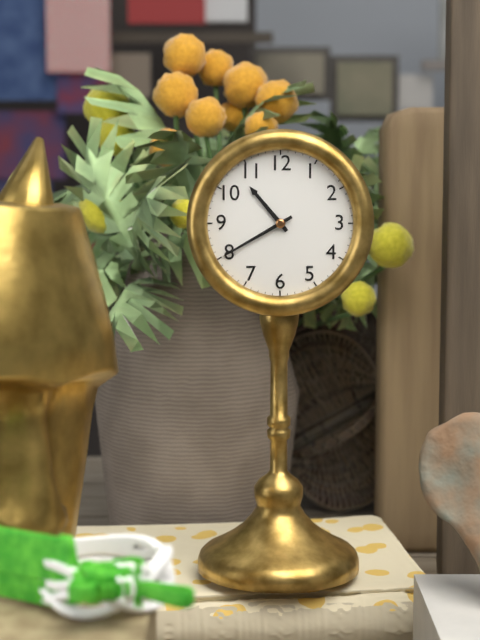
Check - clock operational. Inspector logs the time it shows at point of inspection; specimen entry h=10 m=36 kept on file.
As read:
h=10 m=40
